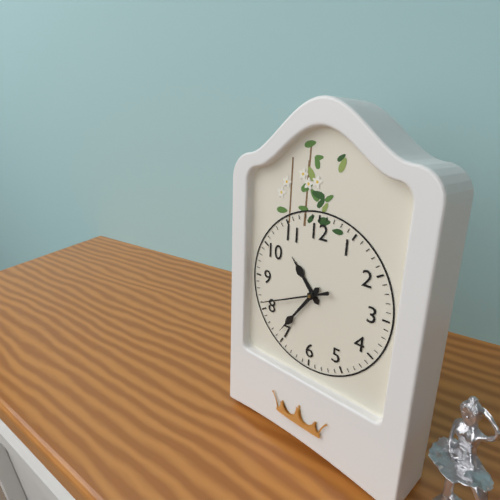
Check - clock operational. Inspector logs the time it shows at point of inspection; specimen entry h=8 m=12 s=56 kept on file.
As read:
h=10 m=36 s=41
